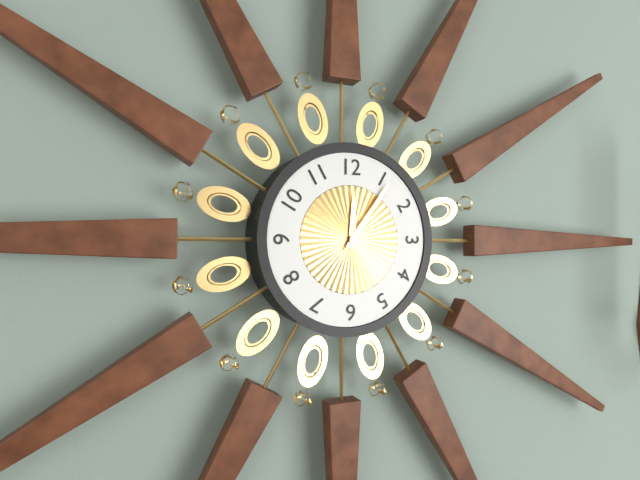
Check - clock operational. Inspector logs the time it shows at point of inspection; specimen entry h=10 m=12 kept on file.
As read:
h=12 m=6
